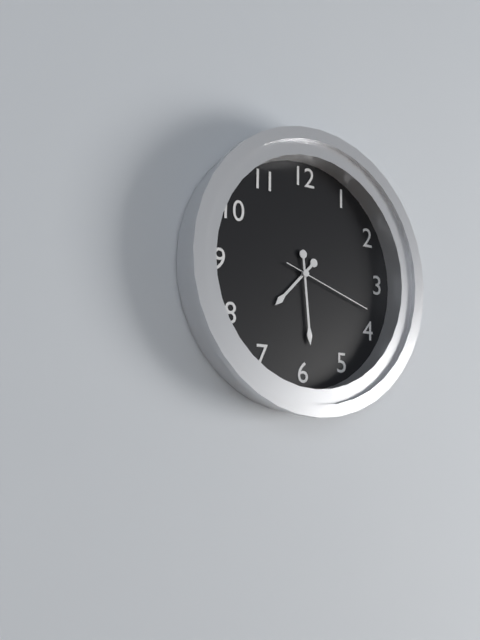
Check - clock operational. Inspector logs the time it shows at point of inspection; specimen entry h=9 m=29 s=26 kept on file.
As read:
h=7 m=29 s=18
